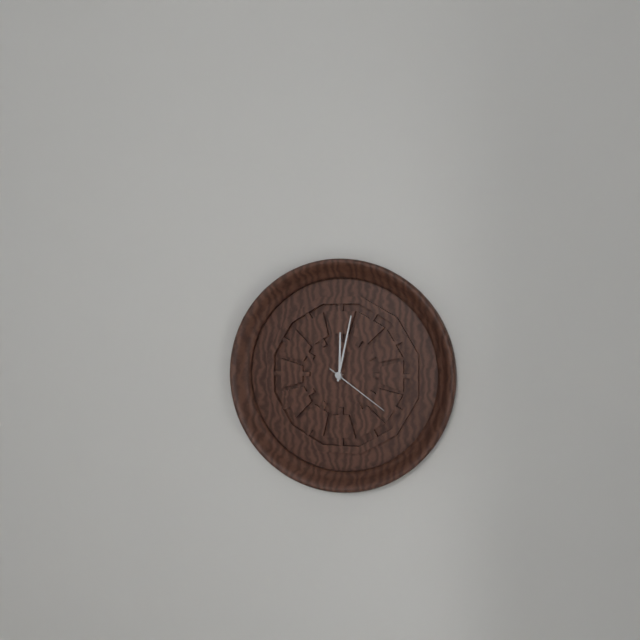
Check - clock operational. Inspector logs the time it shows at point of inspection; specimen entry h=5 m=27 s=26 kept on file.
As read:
h=12 m=2 s=21
